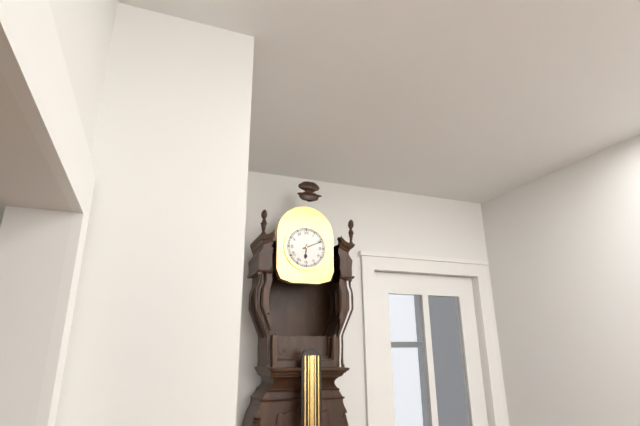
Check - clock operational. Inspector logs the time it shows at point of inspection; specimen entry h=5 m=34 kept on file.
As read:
h=6 m=11
